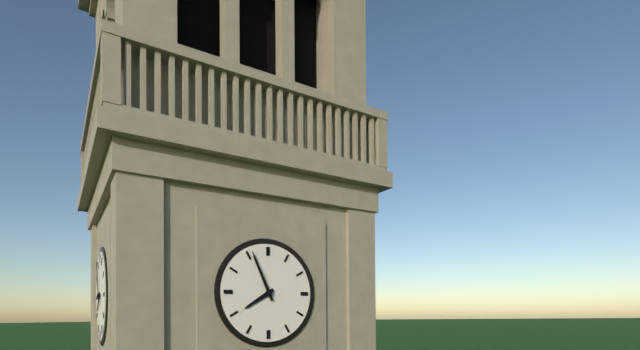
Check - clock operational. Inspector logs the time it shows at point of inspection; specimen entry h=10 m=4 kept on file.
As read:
h=7 m=56
